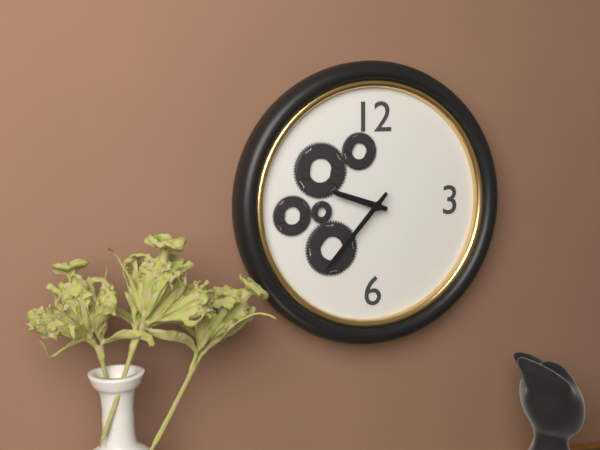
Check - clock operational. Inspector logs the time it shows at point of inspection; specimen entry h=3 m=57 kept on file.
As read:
h=9 m=37
